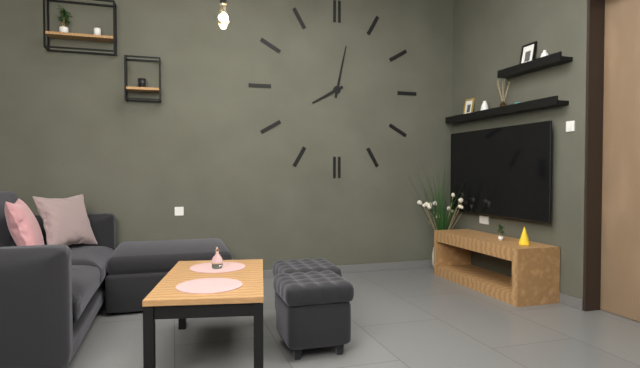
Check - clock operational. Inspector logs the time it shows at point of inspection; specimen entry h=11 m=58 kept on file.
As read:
h=8 m=2
